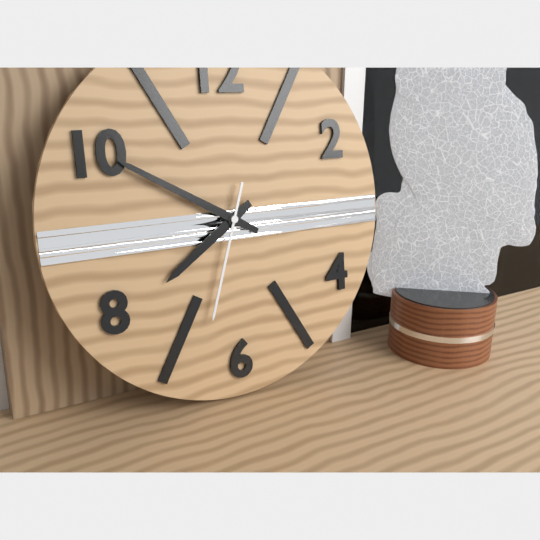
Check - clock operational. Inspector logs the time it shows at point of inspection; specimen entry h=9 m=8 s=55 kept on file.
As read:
h=7 m=50 s=33
